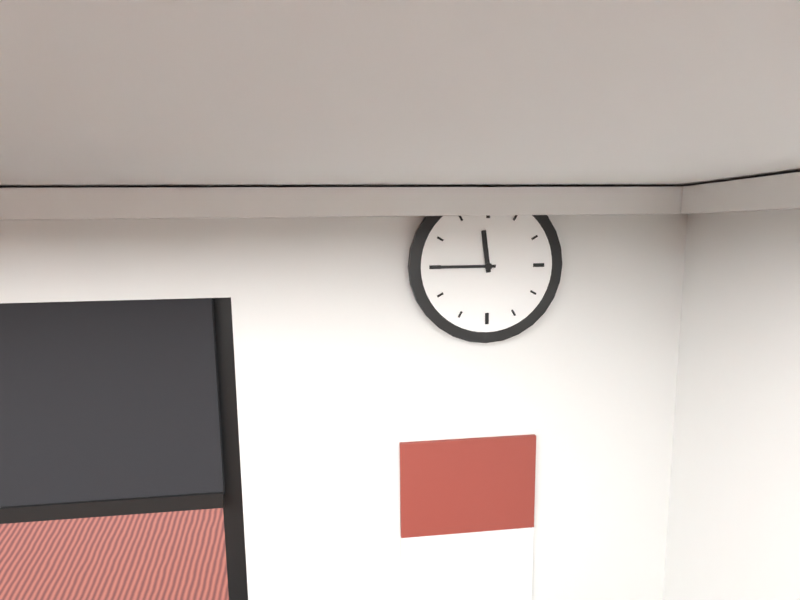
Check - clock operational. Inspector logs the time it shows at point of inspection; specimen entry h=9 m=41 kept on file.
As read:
h=11 m=45
